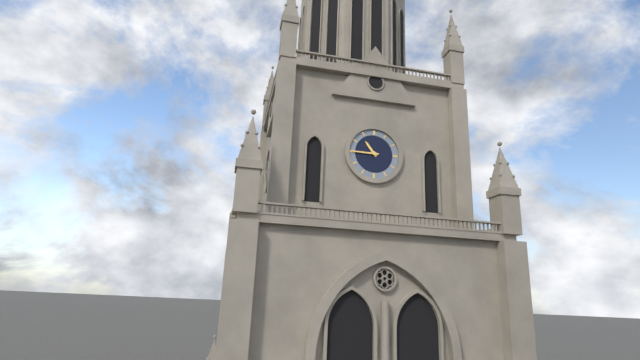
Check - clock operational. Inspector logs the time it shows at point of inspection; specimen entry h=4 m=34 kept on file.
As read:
h=10 m=45
